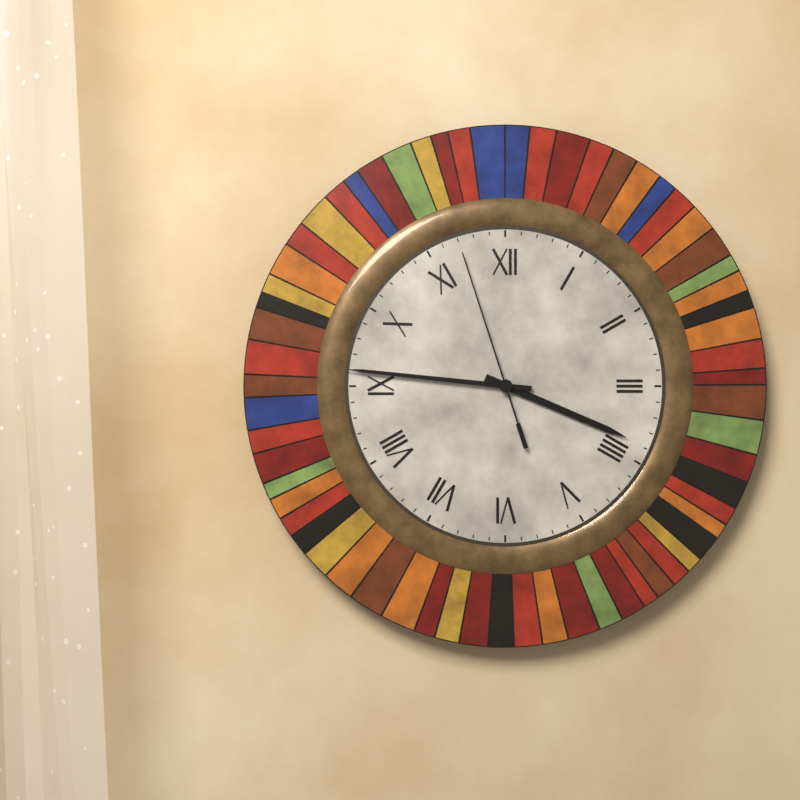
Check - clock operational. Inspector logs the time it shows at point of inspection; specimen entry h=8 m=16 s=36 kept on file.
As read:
h=3 m=46 s=57
